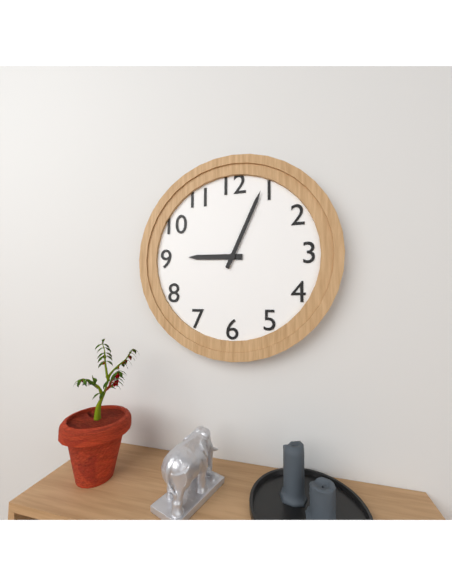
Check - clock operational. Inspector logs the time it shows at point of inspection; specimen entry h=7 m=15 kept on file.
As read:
h=9 m=4
